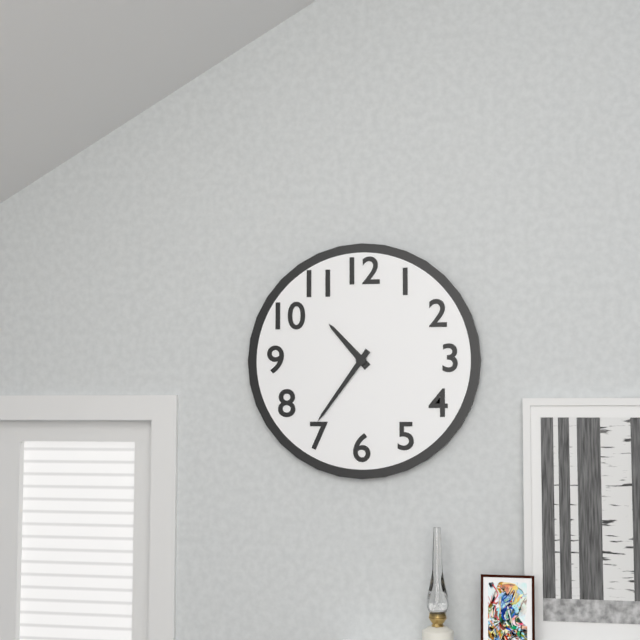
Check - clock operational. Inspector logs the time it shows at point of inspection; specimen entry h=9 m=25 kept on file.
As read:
h=10 m=36
